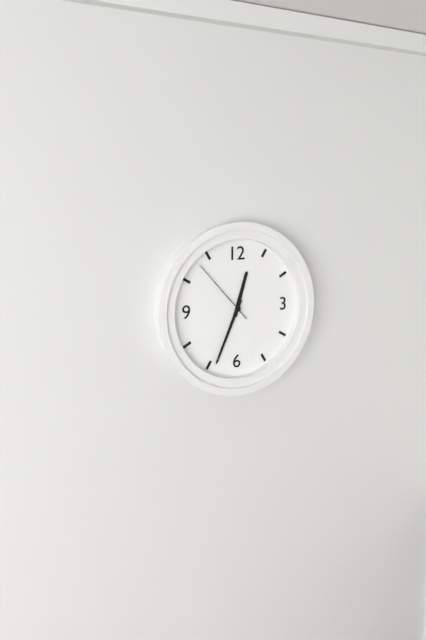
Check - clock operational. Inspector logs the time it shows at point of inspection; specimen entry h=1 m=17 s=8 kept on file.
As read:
h=12 m=34 s=53
